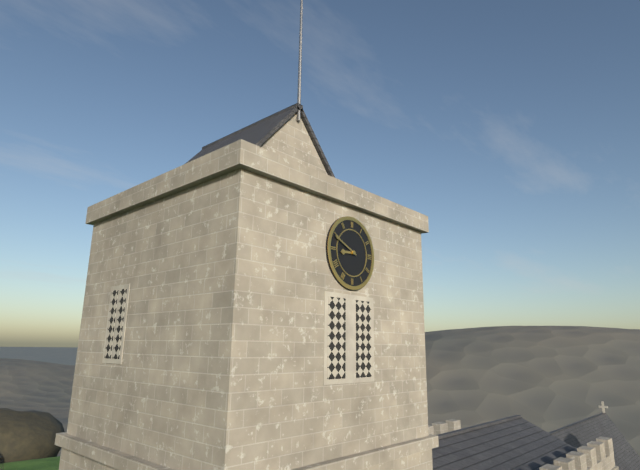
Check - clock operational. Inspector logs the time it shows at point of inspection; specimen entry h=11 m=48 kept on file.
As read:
h=8 m=49
